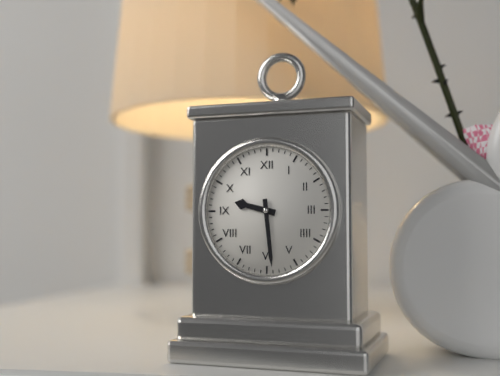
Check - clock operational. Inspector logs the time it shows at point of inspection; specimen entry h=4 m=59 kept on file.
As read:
h=9 m=29
